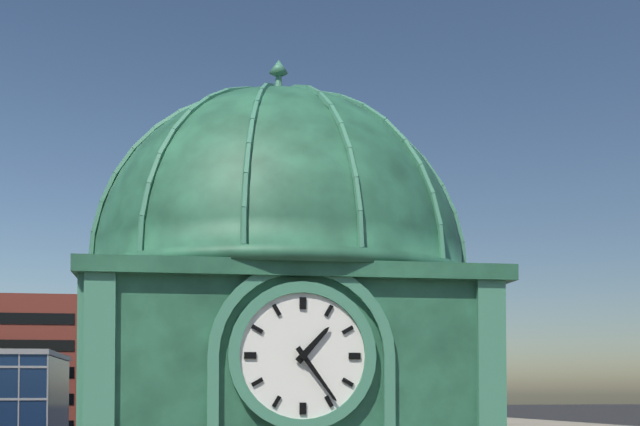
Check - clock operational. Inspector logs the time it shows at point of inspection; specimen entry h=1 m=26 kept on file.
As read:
h=1 m=24
